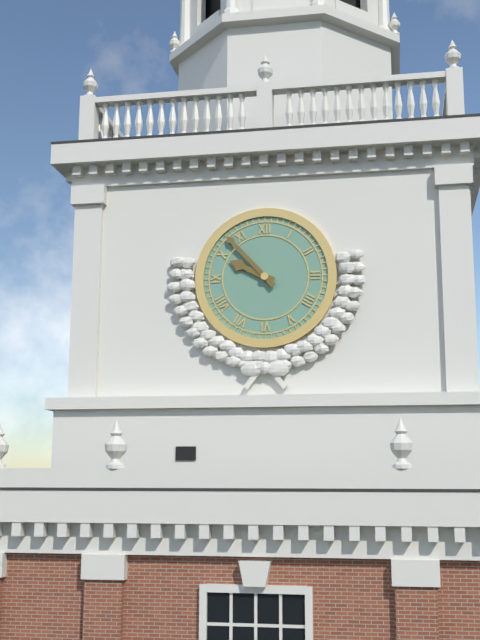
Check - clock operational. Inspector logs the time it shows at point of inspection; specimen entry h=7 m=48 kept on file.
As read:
h=9 m=53
